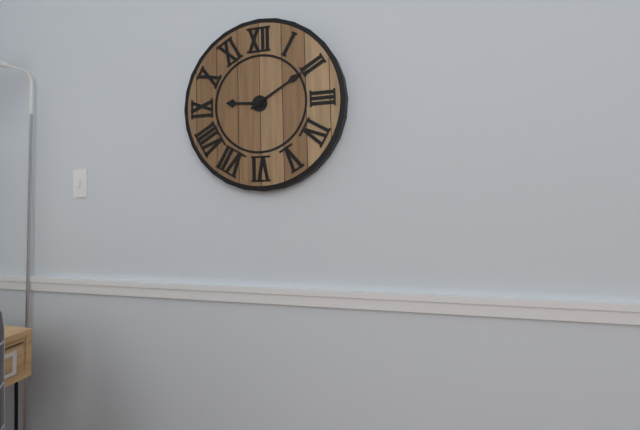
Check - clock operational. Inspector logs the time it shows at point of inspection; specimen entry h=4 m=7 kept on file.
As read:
h=9 m=10
